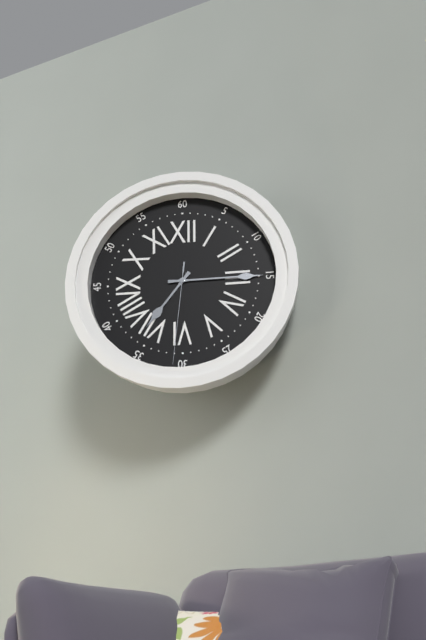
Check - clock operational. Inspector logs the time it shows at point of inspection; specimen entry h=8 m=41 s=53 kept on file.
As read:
h=7 m=15 s=31
